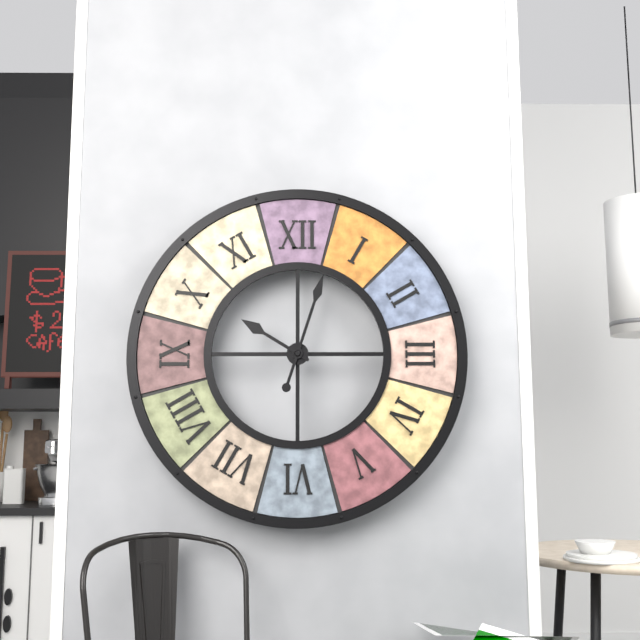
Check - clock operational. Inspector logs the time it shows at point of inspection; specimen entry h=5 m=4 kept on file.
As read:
h=10 m=3
